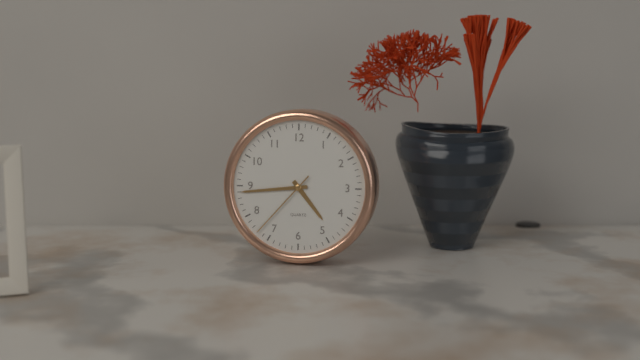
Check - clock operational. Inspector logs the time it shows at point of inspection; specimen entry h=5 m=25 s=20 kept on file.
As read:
h=4 m=44 s=37
